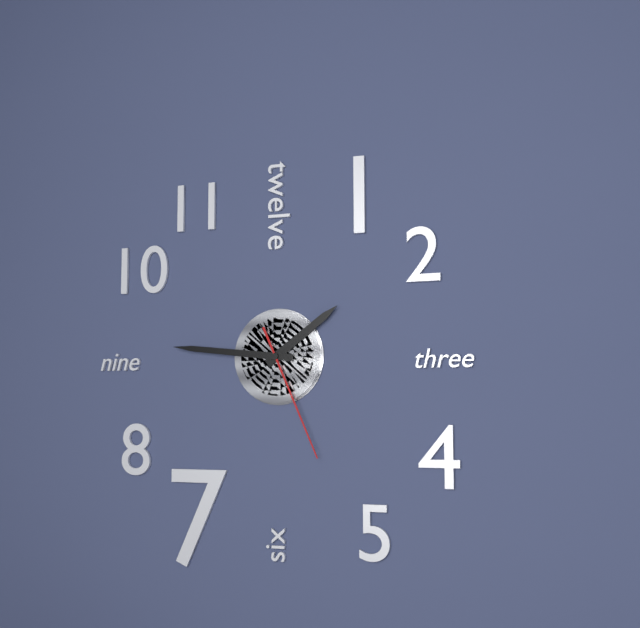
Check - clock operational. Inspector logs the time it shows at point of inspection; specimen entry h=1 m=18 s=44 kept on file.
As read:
h=1 m=46 s=26
